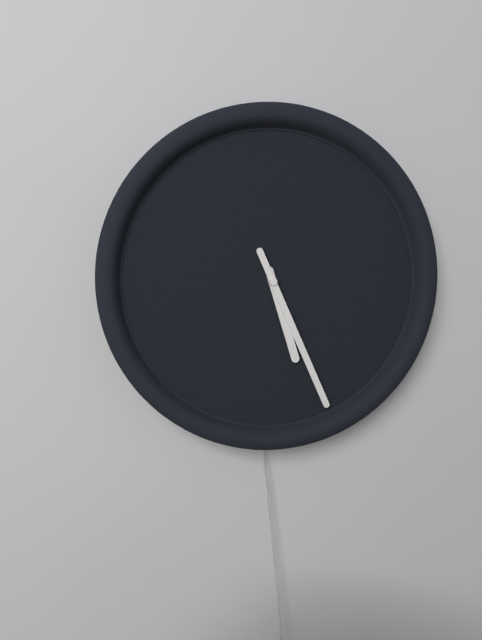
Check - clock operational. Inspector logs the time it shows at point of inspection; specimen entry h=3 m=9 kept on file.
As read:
h=5 m=26
